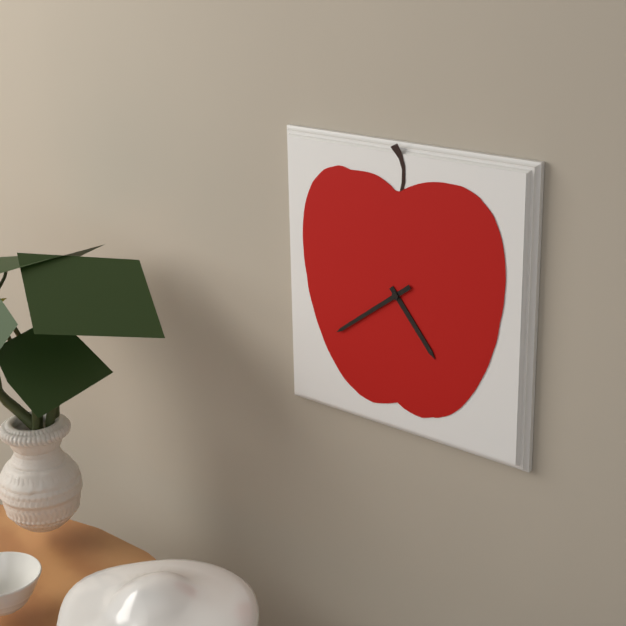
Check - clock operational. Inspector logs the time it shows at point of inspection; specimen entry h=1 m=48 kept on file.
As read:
h=4 m=39
